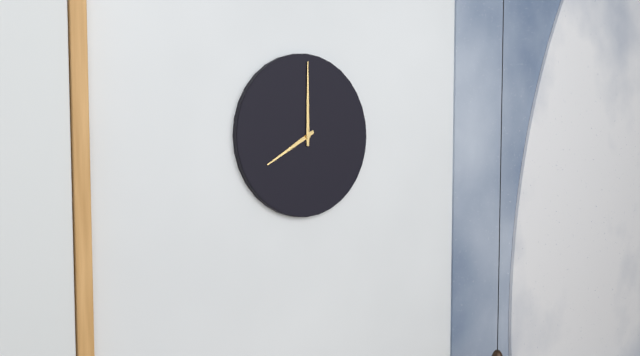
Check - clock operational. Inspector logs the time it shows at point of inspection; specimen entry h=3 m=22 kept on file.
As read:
h=8 m=0
